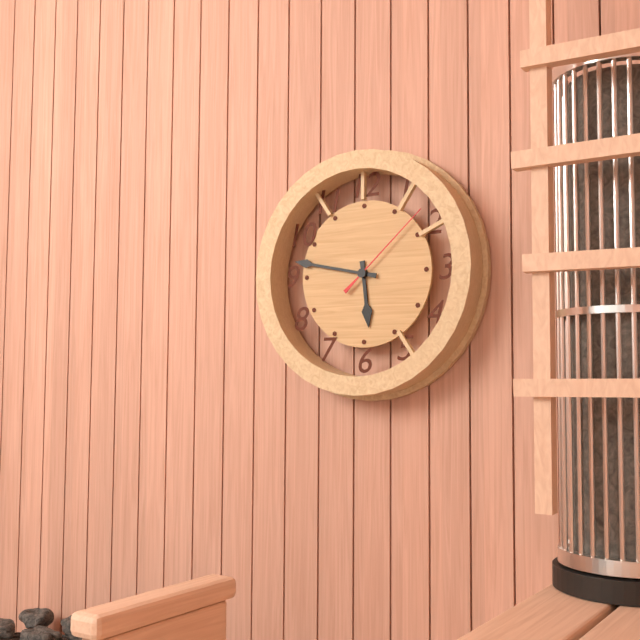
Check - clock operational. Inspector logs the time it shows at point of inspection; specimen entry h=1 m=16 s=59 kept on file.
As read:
h=5 m=47 s=8
